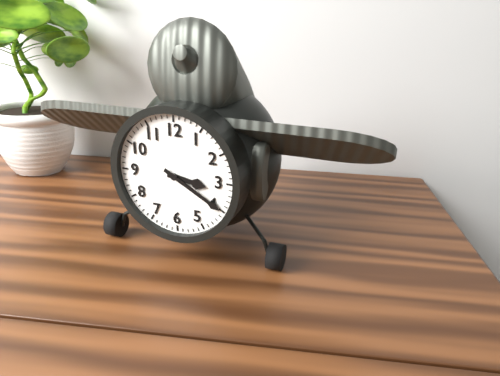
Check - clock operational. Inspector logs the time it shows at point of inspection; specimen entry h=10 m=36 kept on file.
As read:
h=3 m=20
